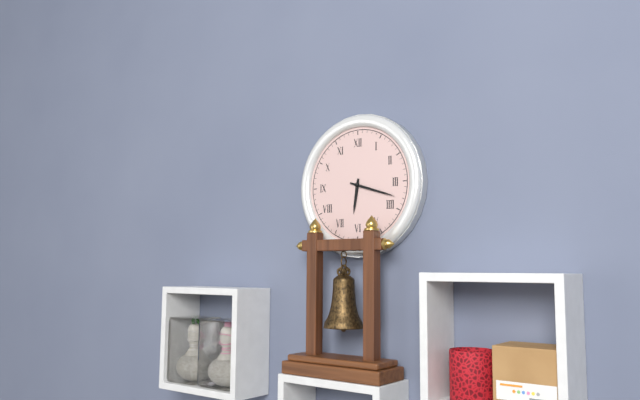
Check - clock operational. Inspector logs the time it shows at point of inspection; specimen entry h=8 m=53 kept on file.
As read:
h=6 m=18
